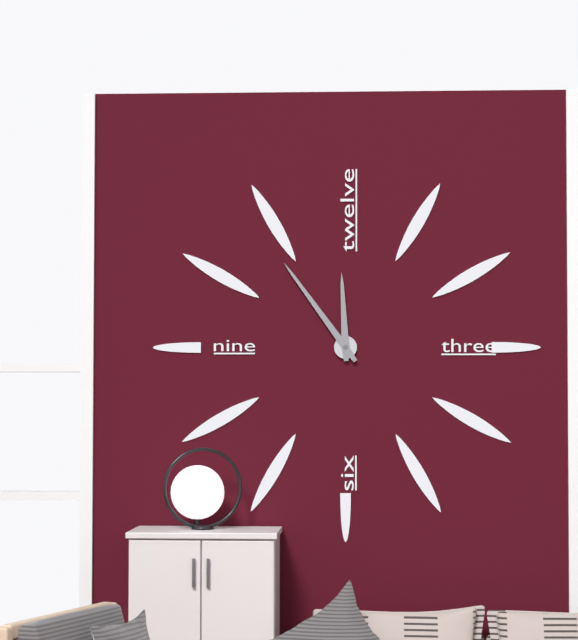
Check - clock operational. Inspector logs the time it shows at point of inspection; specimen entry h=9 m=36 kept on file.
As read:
h=11 m=54
